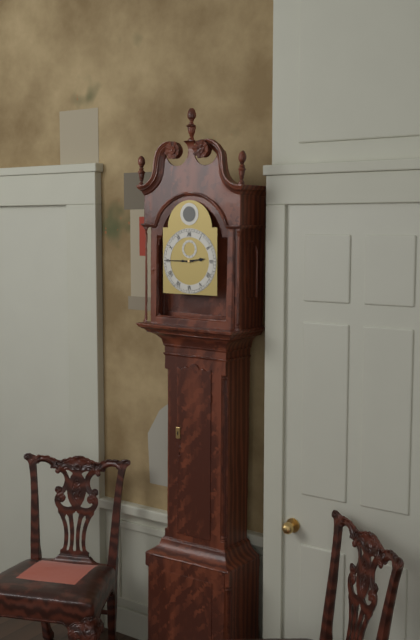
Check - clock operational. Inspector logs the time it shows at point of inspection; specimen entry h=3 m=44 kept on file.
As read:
h=2 m=45
